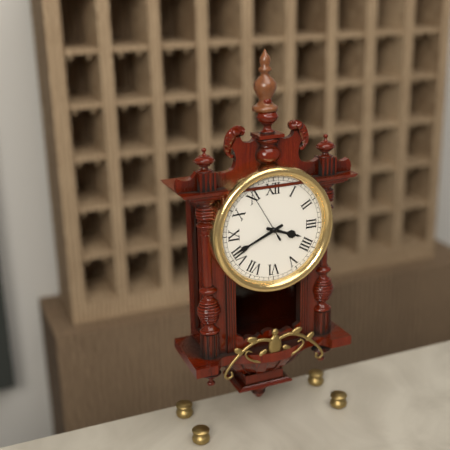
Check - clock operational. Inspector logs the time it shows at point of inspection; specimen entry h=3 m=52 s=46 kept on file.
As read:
h=3 m=41 s=55
